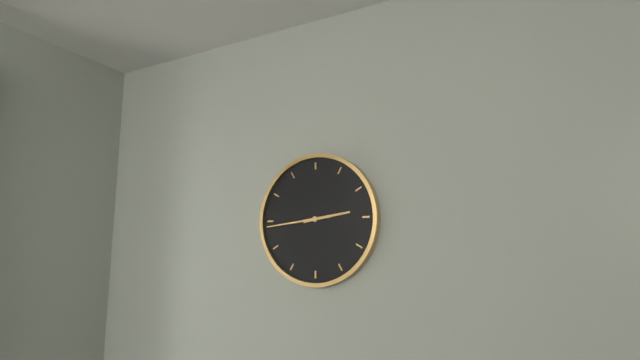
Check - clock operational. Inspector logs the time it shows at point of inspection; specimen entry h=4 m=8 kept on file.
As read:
h=2 m=44
